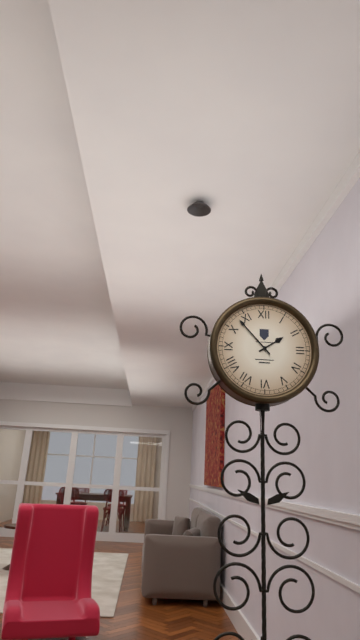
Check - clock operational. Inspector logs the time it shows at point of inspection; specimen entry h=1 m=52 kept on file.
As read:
h=1 m=53
